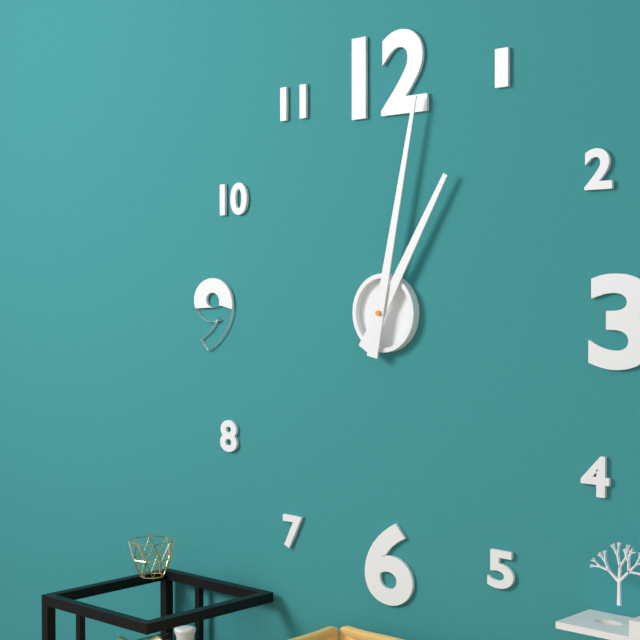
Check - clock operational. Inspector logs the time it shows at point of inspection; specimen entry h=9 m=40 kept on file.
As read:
h=1 m=2
